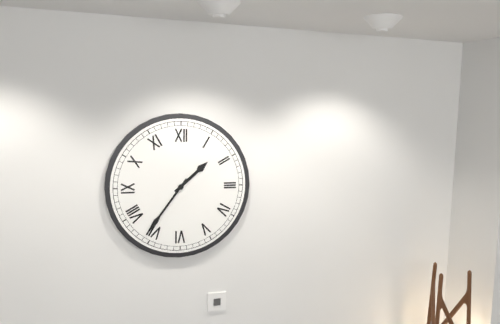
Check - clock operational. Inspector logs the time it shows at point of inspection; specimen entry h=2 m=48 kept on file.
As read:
h=1 m=36
